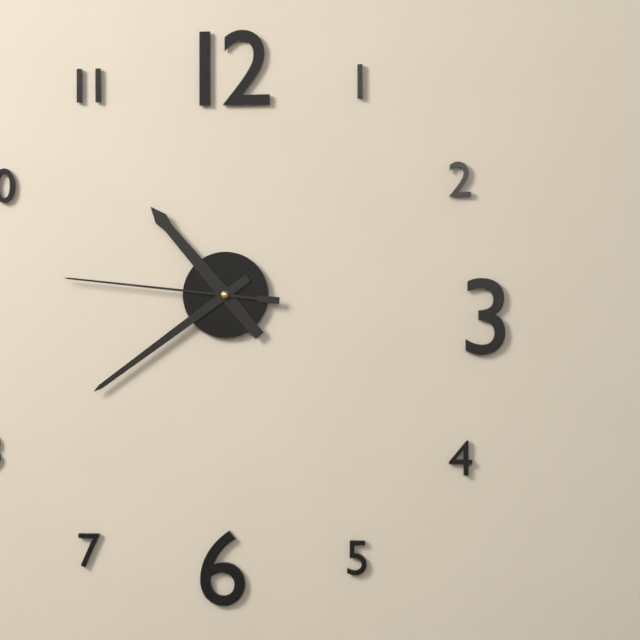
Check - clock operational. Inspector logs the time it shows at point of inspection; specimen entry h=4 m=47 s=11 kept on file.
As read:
h=10 m=39 s=46
